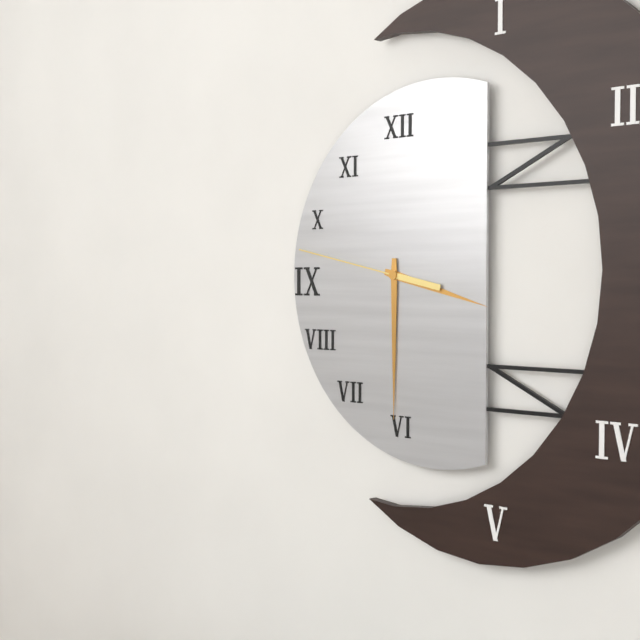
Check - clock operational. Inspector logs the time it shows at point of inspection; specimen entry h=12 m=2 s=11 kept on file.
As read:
h=3 m=30 s=47
